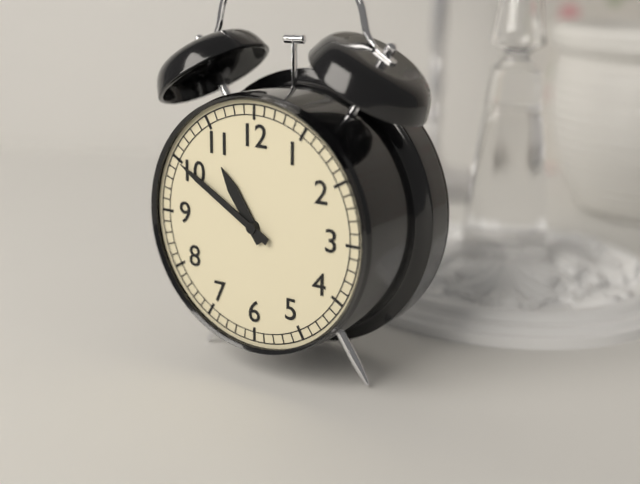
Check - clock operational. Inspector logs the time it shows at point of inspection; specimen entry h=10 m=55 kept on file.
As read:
h=10 m=50
